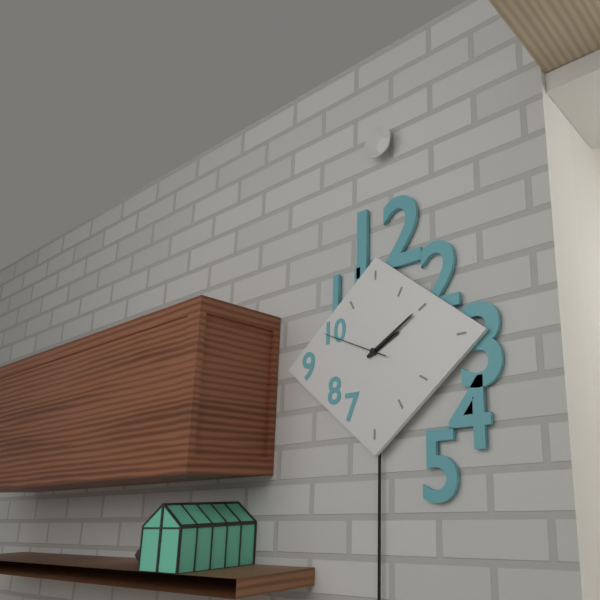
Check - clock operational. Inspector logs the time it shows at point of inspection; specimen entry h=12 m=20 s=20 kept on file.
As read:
h=2 m=10 s=49
